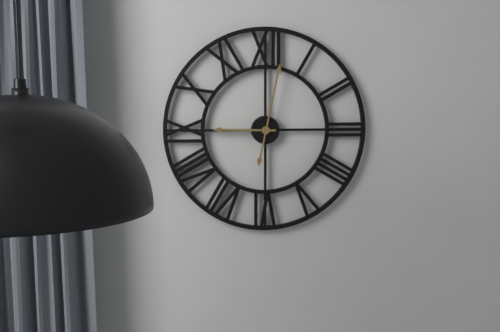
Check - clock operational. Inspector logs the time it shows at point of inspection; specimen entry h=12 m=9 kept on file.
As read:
h=9 m=2
